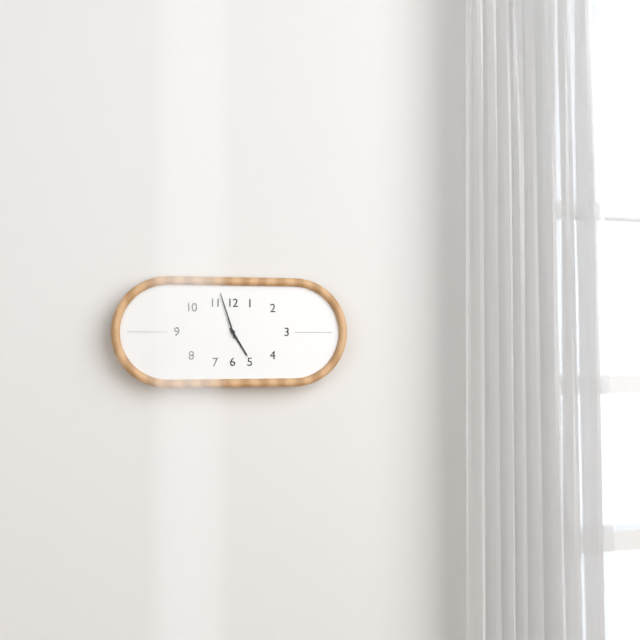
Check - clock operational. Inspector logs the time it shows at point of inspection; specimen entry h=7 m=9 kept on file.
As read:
h=4 m=57
